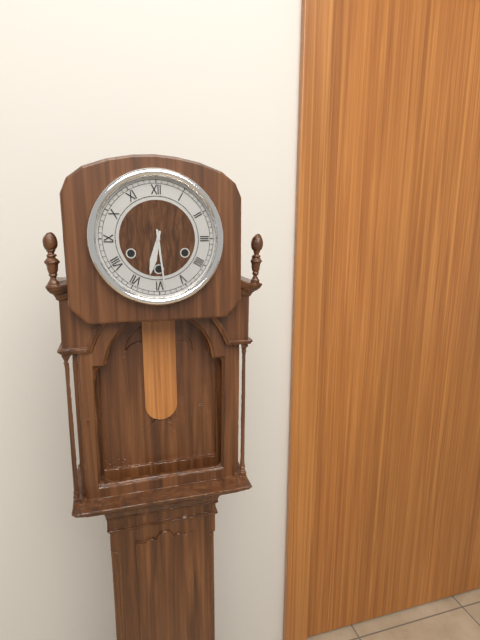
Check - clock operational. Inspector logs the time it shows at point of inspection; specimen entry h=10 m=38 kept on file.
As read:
h=6 m=29
